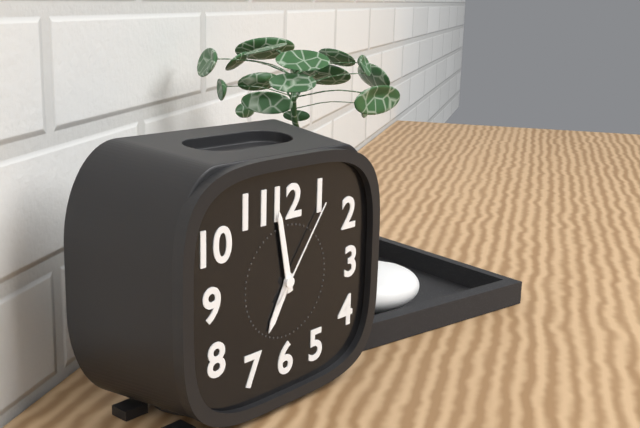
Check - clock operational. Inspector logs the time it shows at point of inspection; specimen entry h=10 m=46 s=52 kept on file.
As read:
h=6 m=58 s=6
